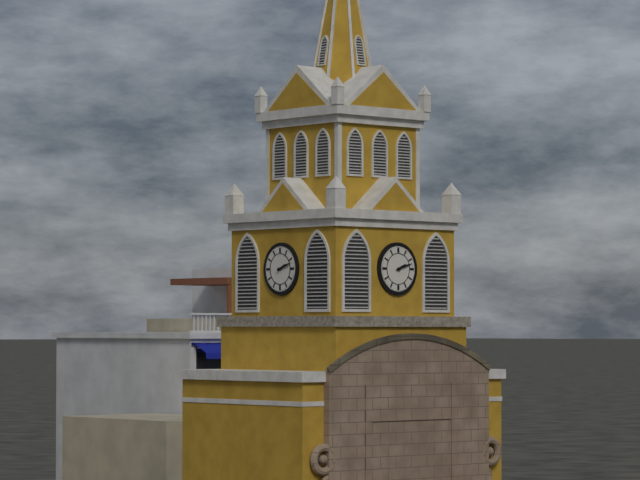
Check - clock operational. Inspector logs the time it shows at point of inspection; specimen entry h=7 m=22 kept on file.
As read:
h=2 m=12
